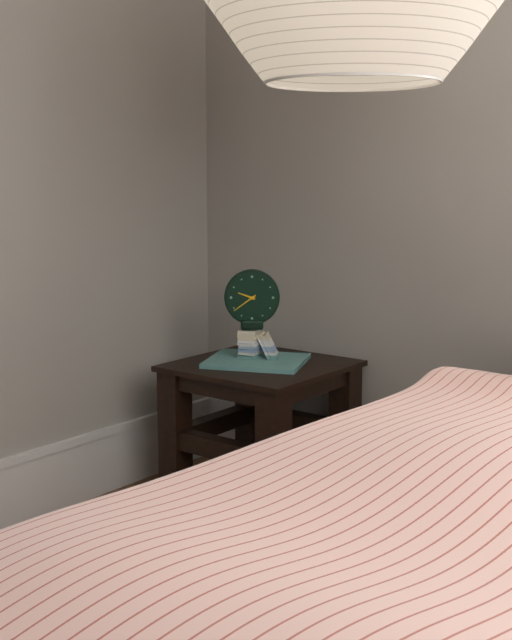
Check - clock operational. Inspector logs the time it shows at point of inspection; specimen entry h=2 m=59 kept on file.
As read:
h=9 m=39
